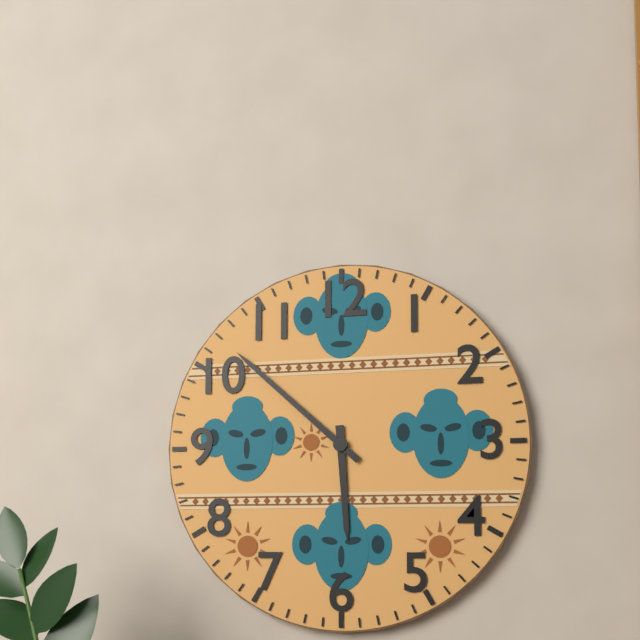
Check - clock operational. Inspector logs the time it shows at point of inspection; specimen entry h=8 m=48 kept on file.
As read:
h=5 m=52
